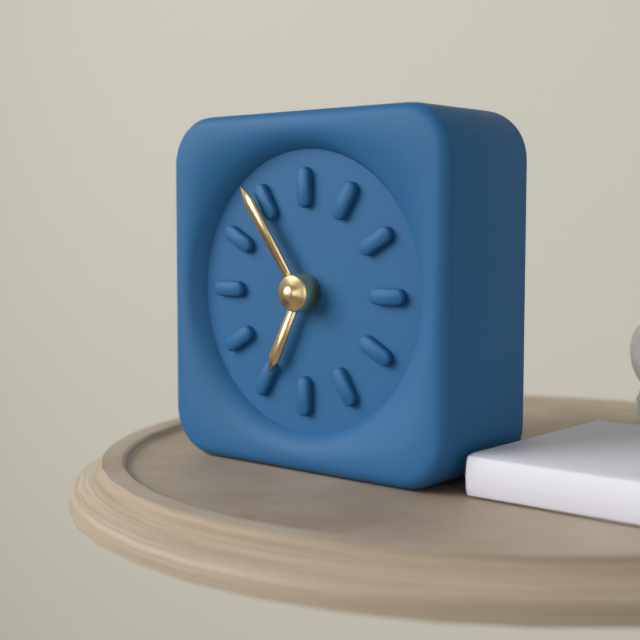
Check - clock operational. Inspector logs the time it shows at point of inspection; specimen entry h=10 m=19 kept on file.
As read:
h=6 m=54
